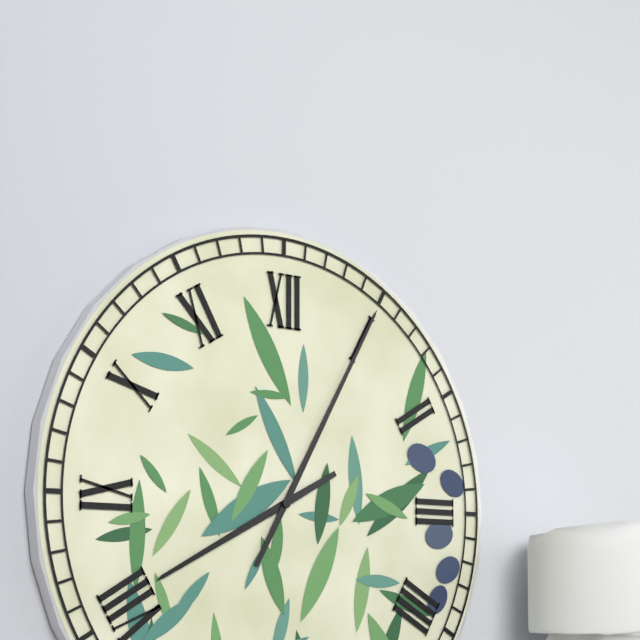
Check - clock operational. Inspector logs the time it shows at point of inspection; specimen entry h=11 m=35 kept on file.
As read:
h=8 m=5
